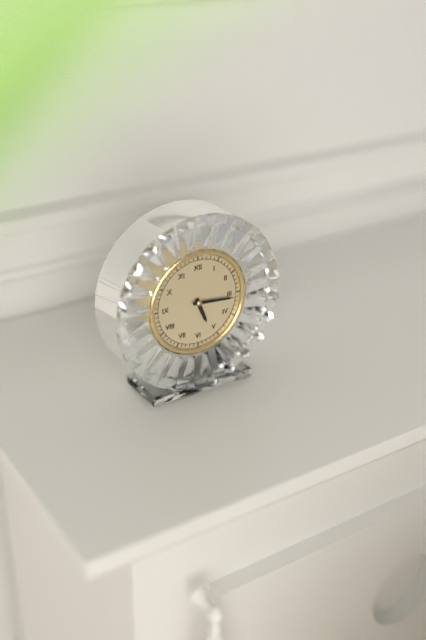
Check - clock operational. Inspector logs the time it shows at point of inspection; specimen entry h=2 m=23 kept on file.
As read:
h=5 m=16
